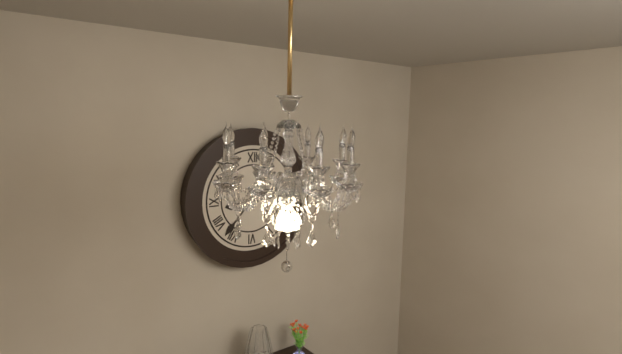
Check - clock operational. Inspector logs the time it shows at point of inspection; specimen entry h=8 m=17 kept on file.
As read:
h=8 m=37
